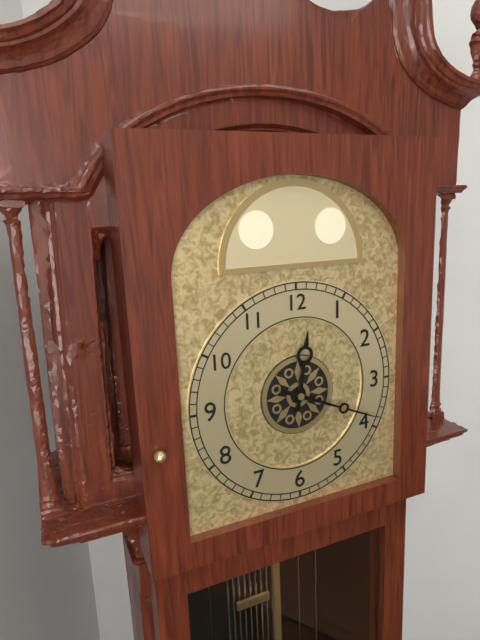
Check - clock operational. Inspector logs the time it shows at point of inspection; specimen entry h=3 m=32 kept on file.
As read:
h=12 m=19
